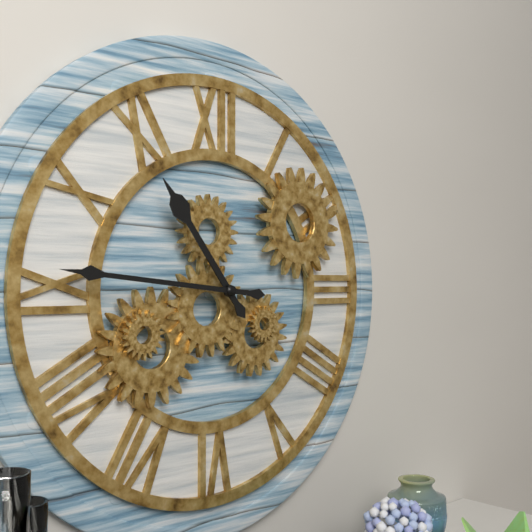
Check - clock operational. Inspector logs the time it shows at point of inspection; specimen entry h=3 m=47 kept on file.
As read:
h=10 m=46
